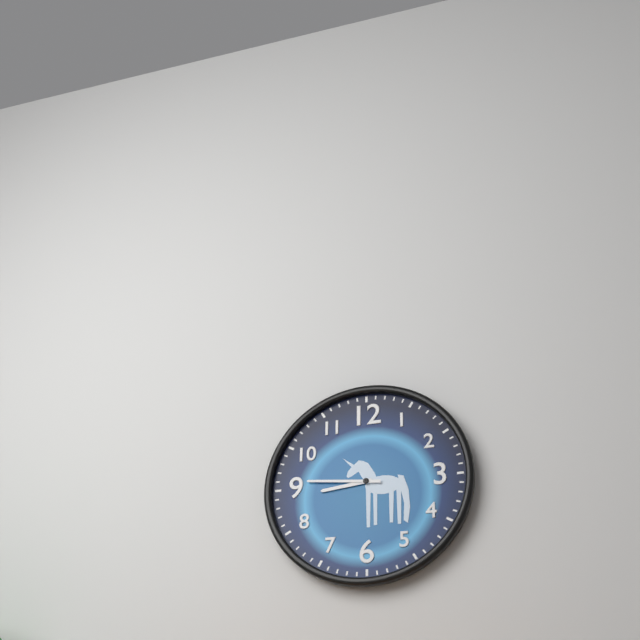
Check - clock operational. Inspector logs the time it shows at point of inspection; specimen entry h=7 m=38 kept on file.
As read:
h=8 m=46
